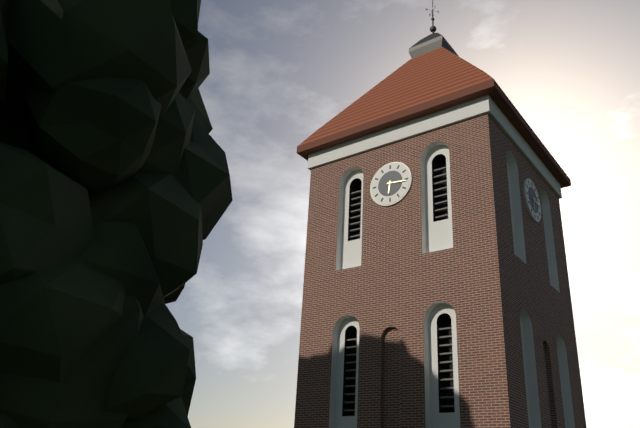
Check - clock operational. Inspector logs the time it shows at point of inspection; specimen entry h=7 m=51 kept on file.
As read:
h=6 m=16
